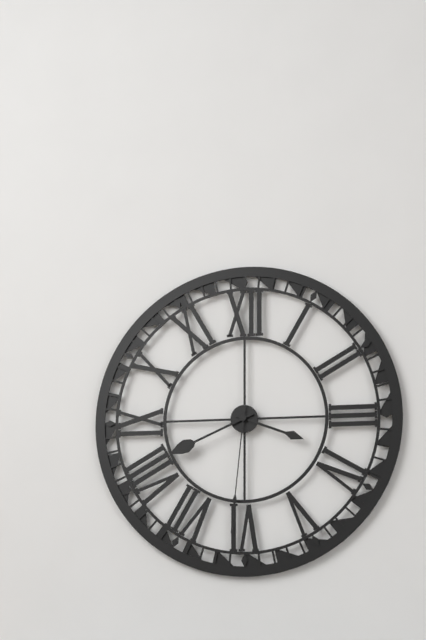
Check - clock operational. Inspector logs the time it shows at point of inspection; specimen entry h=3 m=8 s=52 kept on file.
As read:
h=3 m=41 s=31
